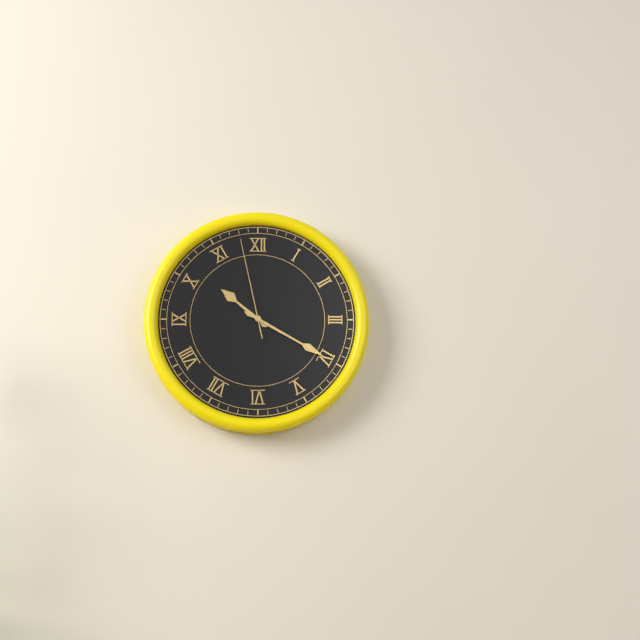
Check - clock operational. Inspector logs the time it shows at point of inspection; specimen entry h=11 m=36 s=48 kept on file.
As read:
h=10 m=20 s=58
